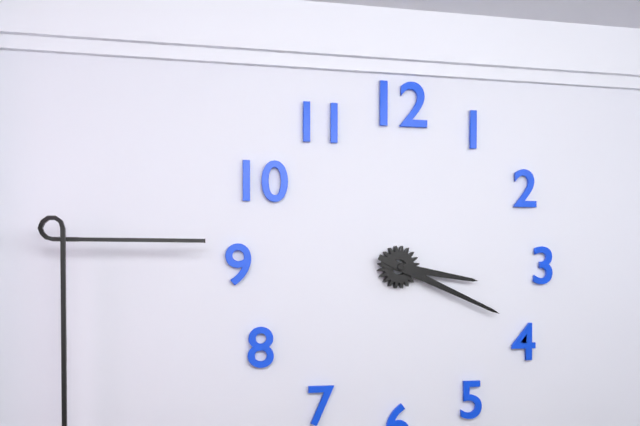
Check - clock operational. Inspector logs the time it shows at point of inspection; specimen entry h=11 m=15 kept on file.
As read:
h=3 m=19
